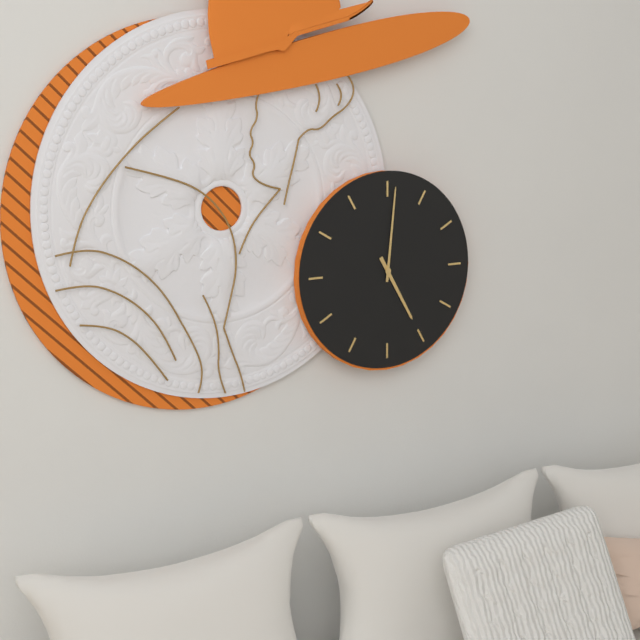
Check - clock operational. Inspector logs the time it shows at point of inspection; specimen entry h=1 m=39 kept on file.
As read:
h=5 m=1
